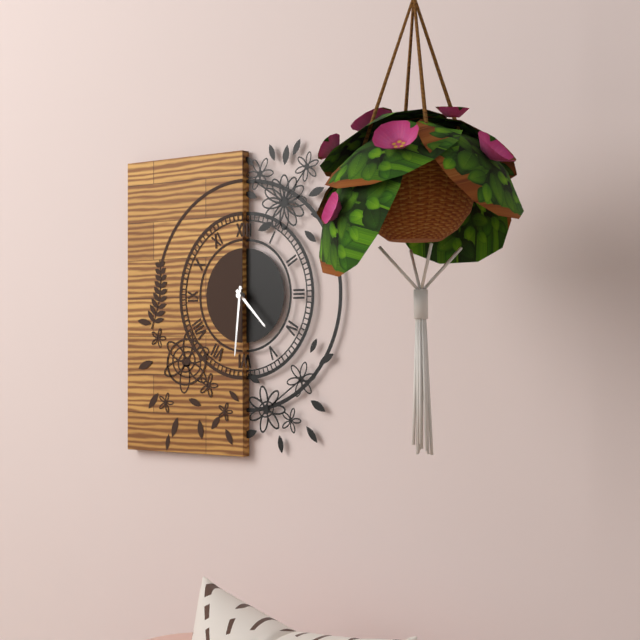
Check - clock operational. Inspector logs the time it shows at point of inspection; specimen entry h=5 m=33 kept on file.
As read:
h=4 m=31
